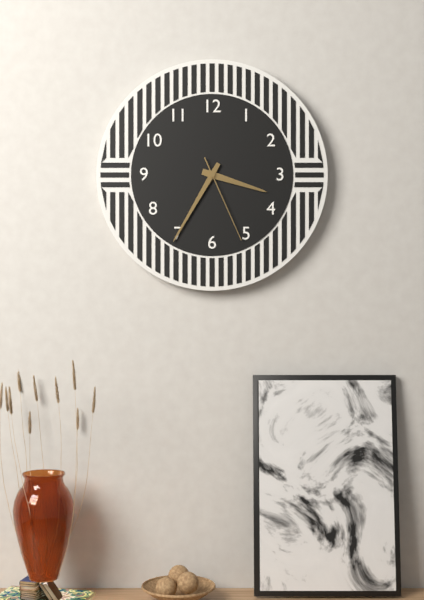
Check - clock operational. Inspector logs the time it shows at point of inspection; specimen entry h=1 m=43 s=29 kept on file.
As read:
h=3 m=35 s=26
